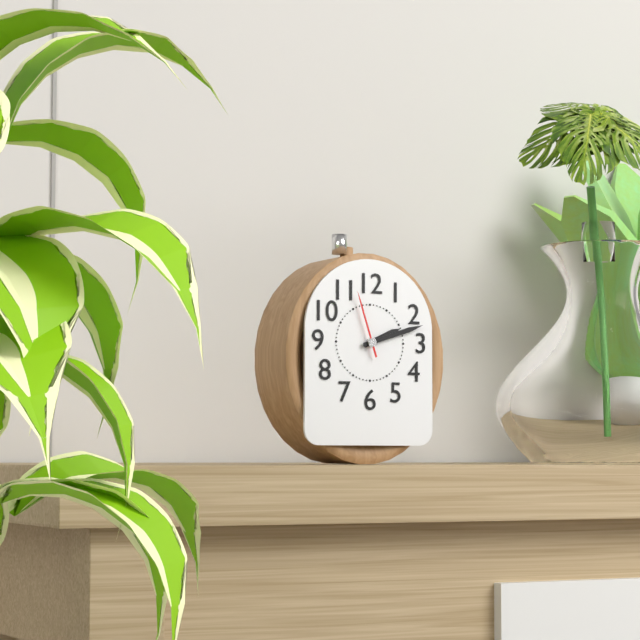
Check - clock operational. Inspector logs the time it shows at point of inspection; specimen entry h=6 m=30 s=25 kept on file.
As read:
h=2 m=12 s=57
